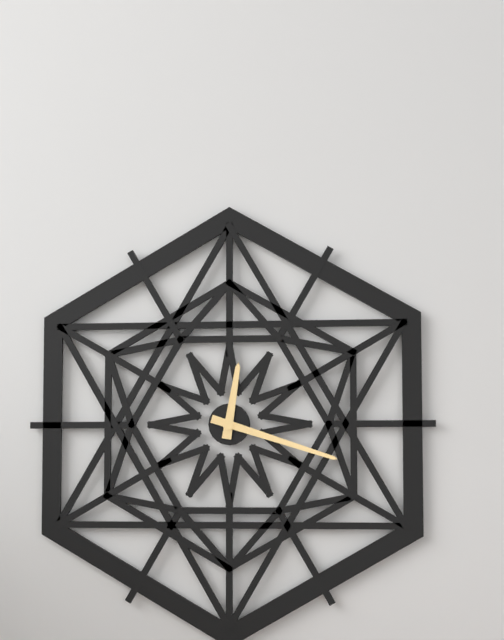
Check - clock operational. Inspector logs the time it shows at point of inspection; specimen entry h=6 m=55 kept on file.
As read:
h=12 m=18
